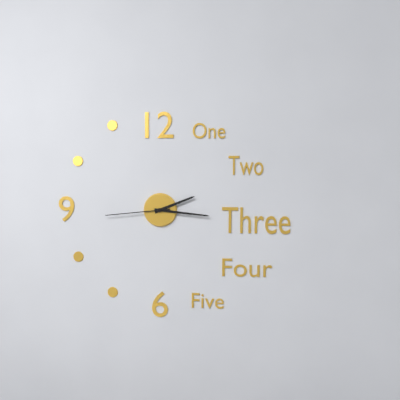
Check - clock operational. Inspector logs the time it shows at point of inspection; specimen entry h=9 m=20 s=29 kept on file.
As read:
h=2 m=16 s=44
